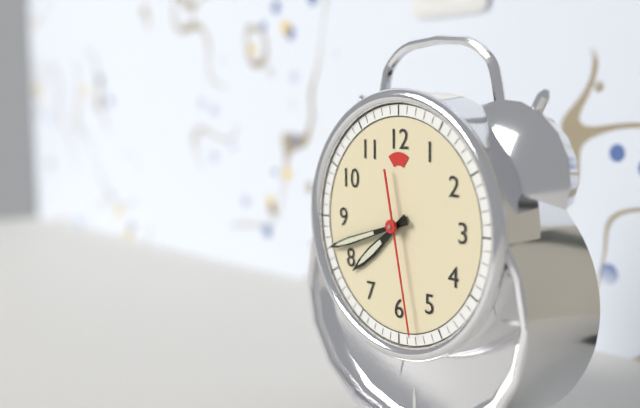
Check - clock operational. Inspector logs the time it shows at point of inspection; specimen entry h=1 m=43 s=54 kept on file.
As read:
h=7 m=42 s=28
